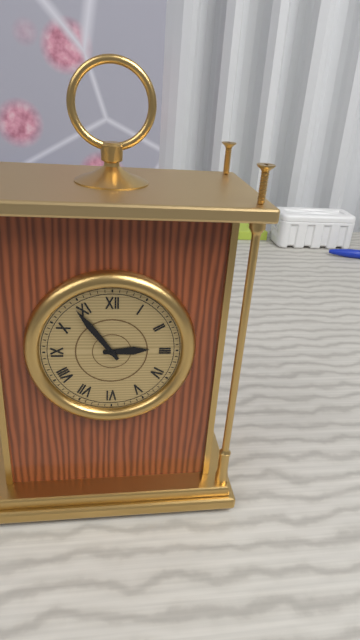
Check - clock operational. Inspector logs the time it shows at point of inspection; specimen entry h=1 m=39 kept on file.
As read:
h=2 m=54
